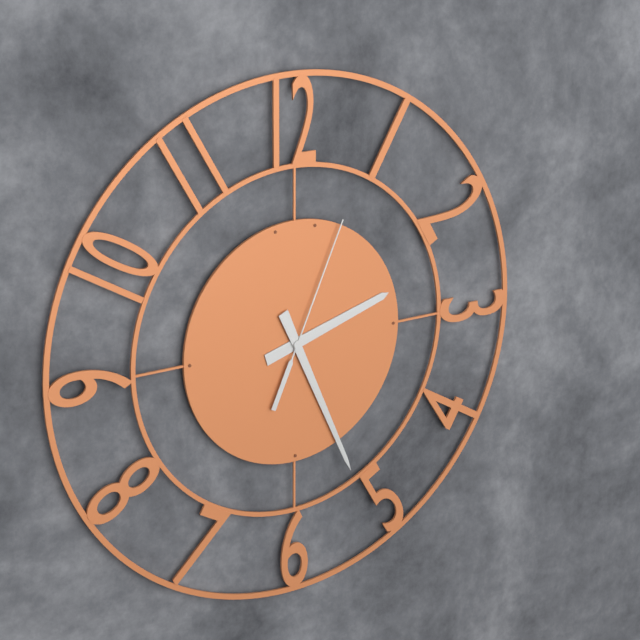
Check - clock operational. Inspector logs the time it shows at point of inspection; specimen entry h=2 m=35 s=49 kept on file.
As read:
h=2 m=26 s=4
